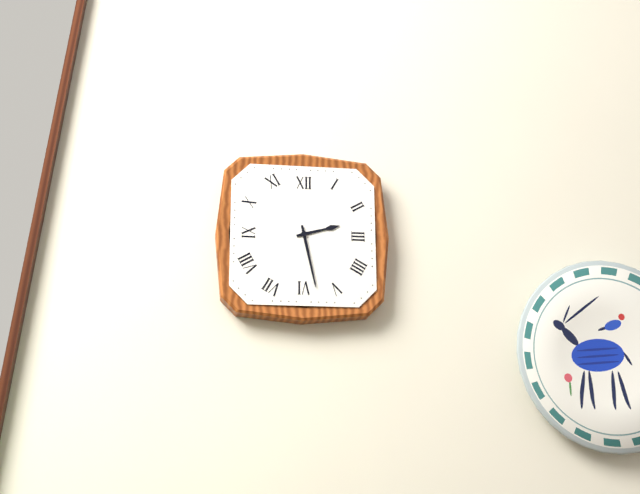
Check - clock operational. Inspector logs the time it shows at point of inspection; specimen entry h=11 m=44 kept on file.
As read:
h=2 m=28
